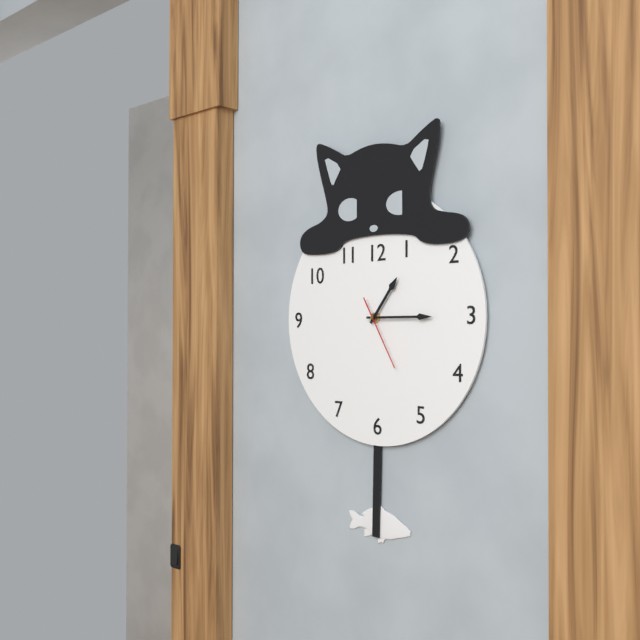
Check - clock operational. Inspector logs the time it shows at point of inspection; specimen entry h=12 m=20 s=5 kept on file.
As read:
h=1 m=15 s=25
